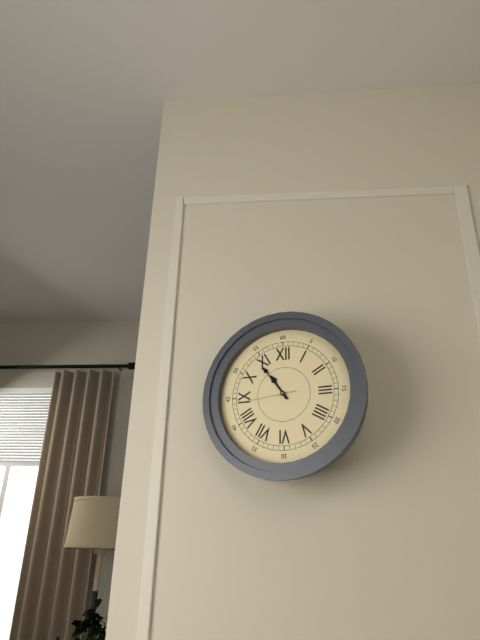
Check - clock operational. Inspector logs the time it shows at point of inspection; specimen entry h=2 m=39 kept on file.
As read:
h=10 m=54
